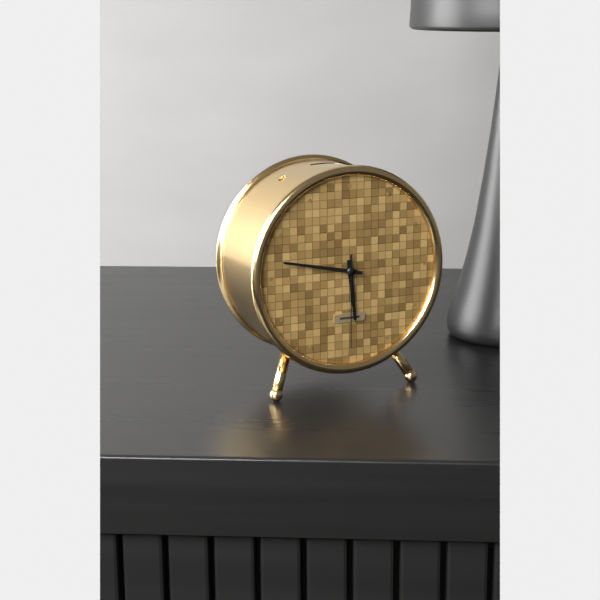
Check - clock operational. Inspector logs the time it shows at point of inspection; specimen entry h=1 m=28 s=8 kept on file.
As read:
h=5 m=47 s=30
